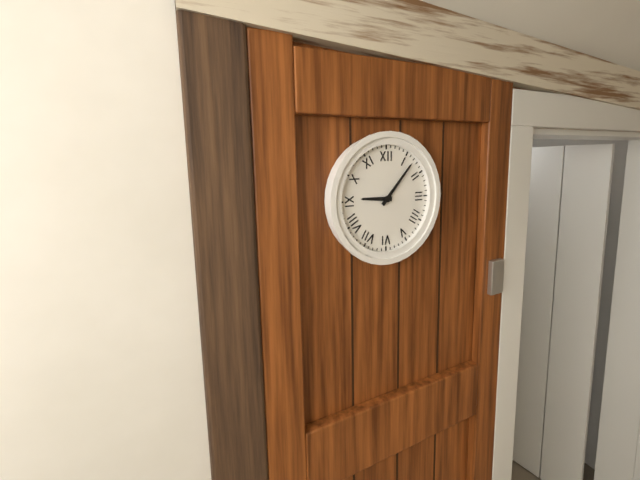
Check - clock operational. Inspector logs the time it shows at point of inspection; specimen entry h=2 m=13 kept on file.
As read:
h=9 m=7
